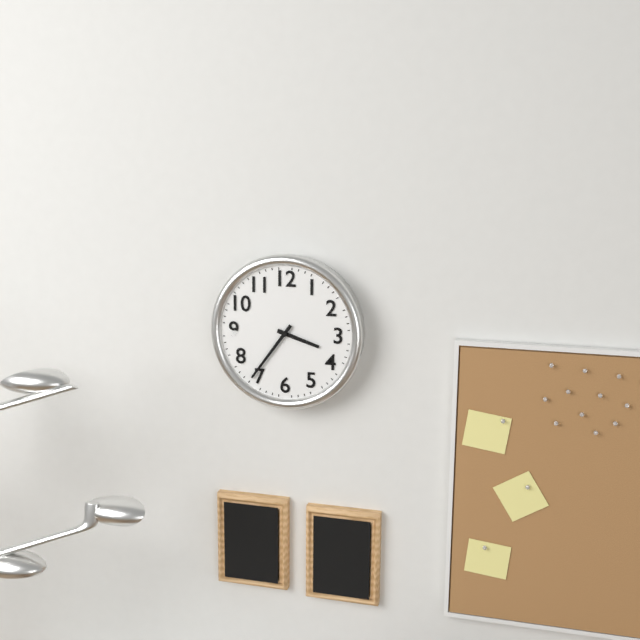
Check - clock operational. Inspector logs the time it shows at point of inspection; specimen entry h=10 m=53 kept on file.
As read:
h=3 m=36
